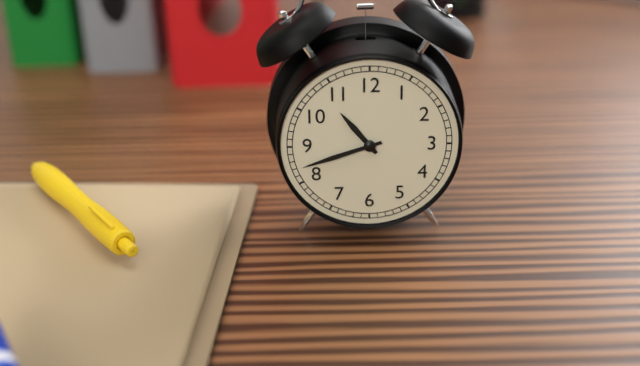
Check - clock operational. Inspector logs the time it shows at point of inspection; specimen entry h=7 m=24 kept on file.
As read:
h=10 m=42
